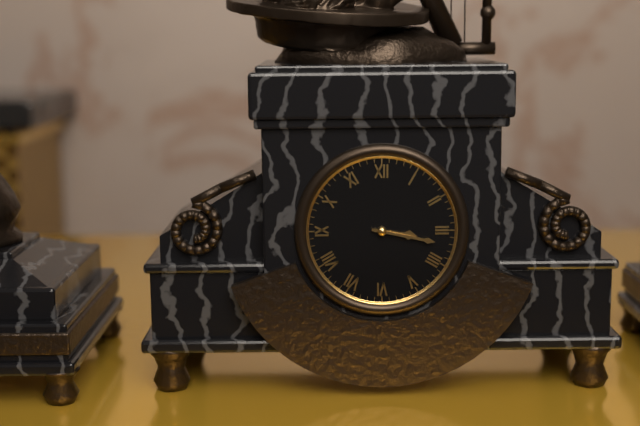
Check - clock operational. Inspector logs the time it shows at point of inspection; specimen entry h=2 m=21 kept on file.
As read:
h=3 m=17
